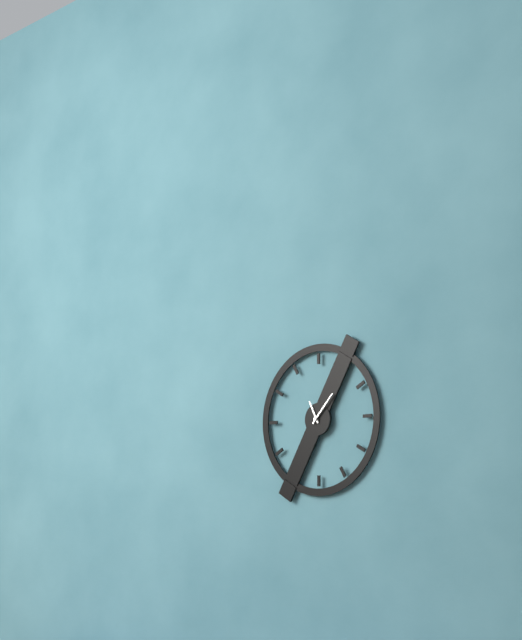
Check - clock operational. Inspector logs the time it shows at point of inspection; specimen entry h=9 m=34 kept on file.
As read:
h=11 m=7
